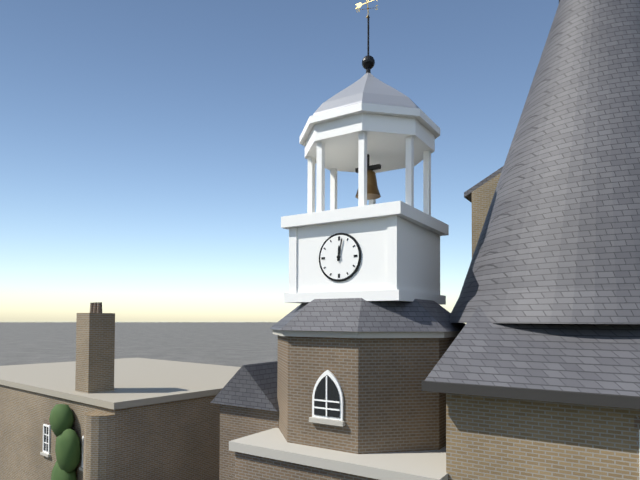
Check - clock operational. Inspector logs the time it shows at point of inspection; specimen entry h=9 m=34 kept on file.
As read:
h=12 m=2
